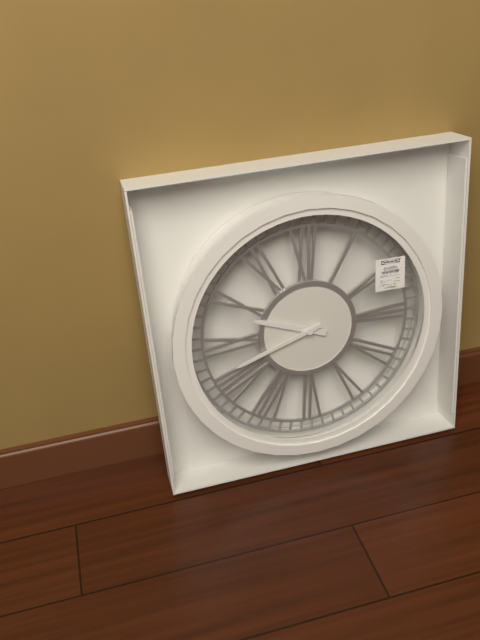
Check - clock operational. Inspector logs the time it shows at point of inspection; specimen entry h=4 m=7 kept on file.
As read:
h=9 m=42
